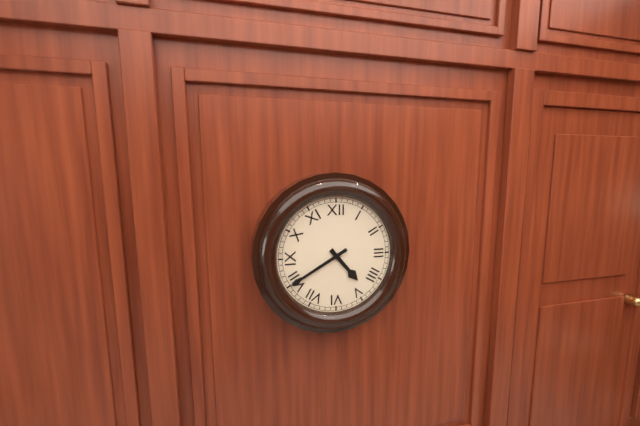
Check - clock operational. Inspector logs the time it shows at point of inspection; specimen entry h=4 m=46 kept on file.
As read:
h=4 m=40
